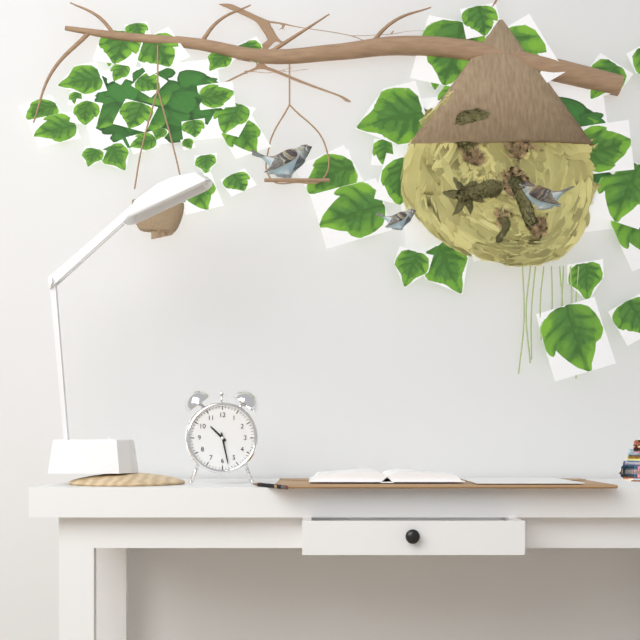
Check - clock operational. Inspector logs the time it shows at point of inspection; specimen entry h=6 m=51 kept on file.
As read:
h=10 m=28
